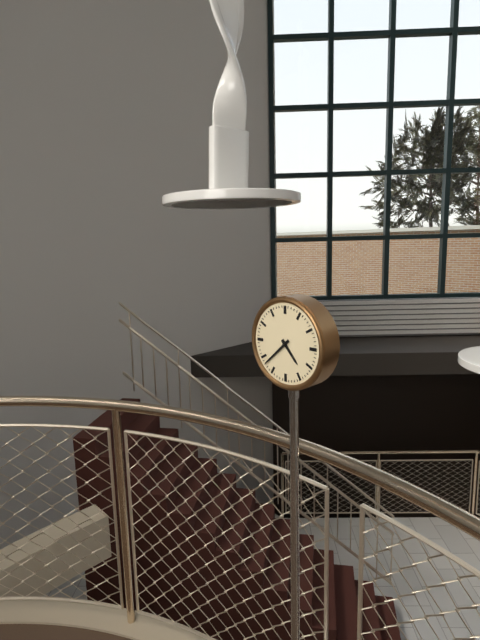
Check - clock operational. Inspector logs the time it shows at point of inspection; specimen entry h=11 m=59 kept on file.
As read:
h=4 m=38
